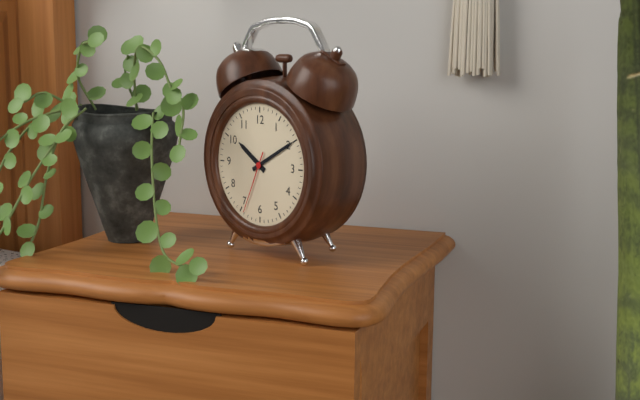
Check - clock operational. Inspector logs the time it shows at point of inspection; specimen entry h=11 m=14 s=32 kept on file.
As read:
h=10 m=10 s=34
